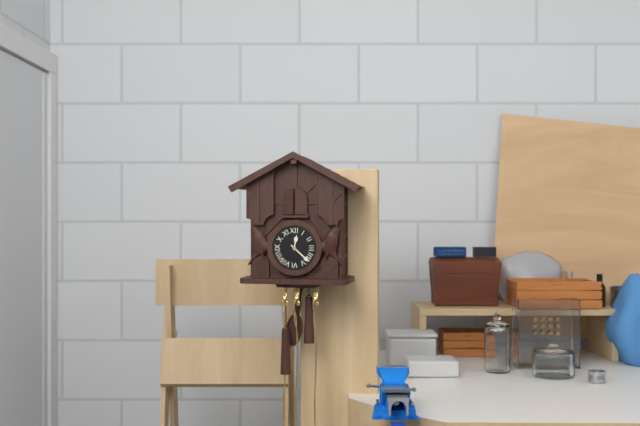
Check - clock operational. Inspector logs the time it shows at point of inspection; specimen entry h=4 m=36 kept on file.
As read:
h=12 m=22
